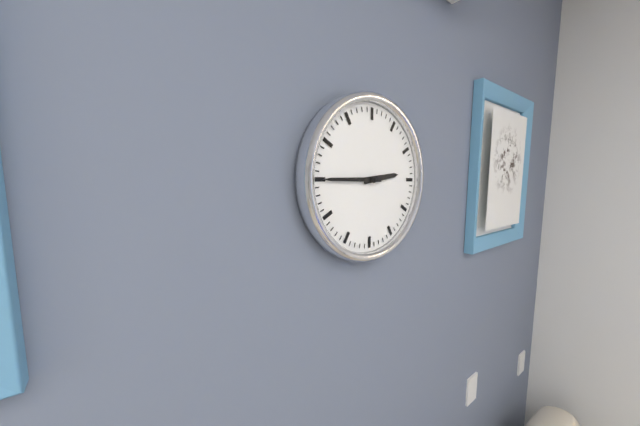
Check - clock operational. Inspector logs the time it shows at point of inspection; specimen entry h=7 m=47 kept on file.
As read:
h=2 m=45
